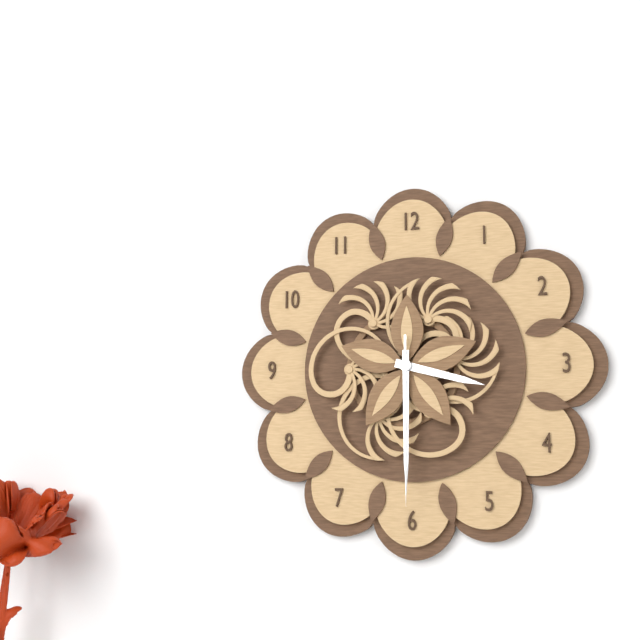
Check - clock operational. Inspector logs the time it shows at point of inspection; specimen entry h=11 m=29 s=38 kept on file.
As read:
h=3 m=30 s=30
